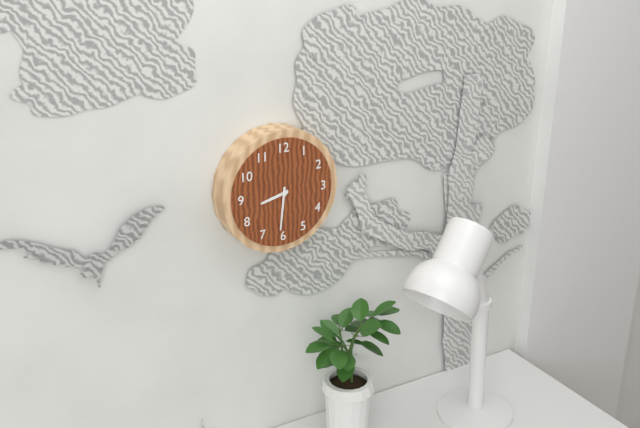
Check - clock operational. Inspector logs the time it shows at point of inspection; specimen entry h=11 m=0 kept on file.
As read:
h=8 m=31
